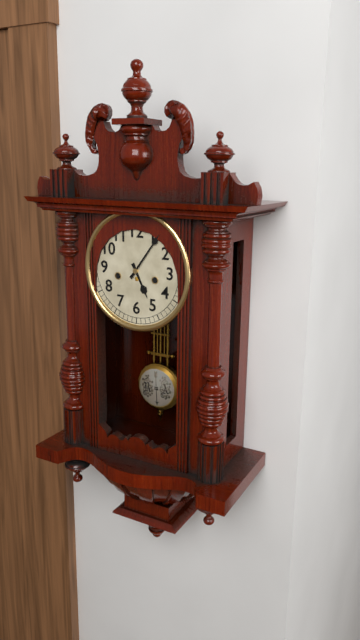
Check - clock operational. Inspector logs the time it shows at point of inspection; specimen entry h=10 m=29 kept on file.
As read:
h=5 m=6
